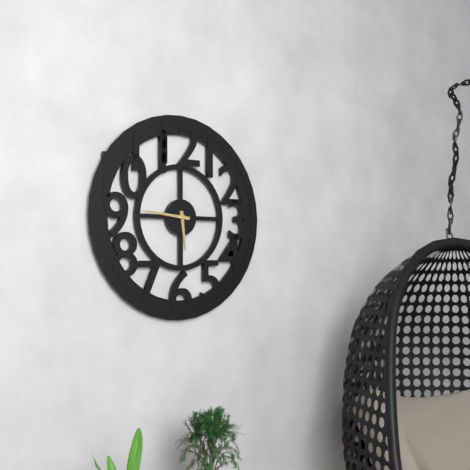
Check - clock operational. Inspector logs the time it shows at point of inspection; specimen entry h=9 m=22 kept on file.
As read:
h=5 m=46
